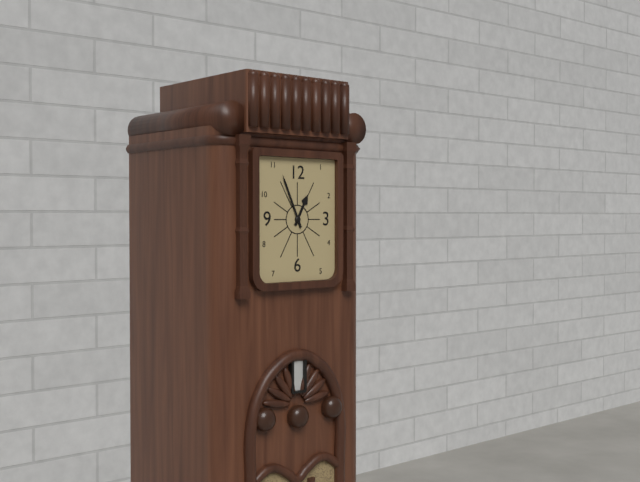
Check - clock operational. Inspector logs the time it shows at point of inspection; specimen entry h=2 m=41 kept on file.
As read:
h=12 m=56
